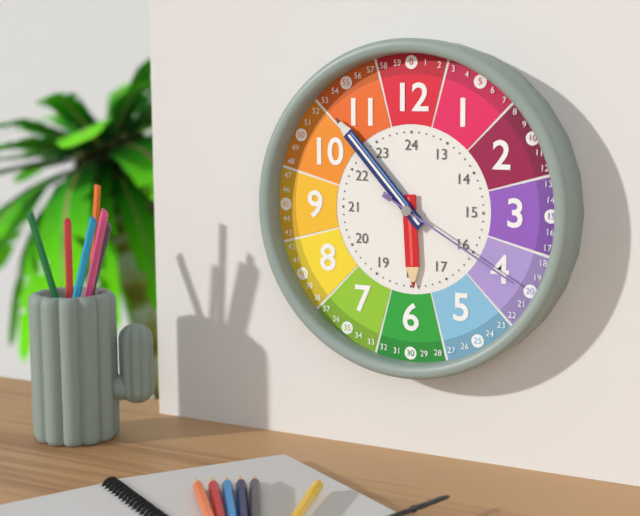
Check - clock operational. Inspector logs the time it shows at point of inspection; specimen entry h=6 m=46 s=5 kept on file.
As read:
h=5 m=53 s=20
